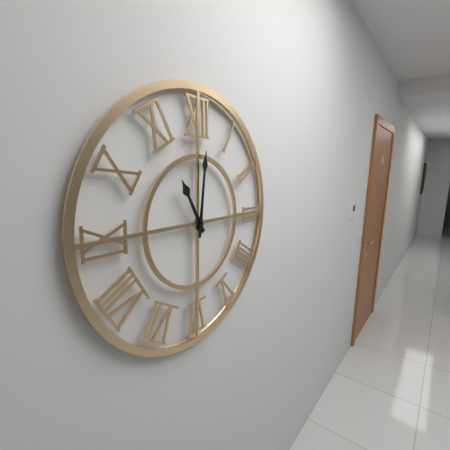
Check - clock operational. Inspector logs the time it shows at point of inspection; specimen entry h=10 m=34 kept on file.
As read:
h=11 m=1
